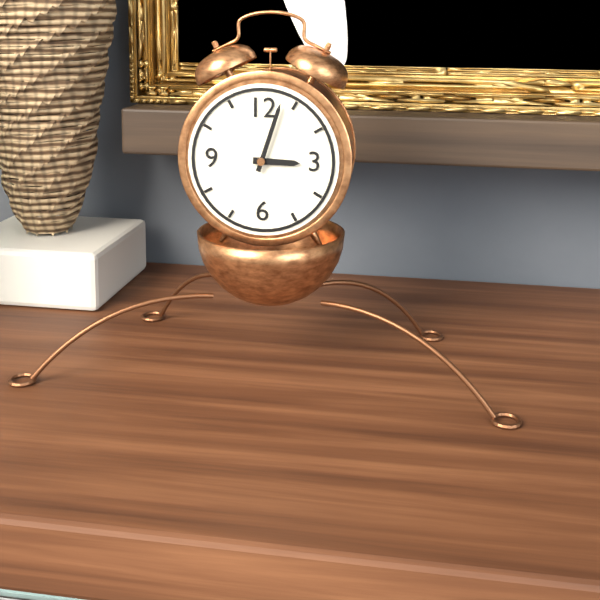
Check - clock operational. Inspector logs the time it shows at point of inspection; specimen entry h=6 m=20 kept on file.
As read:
h=3 m=3
